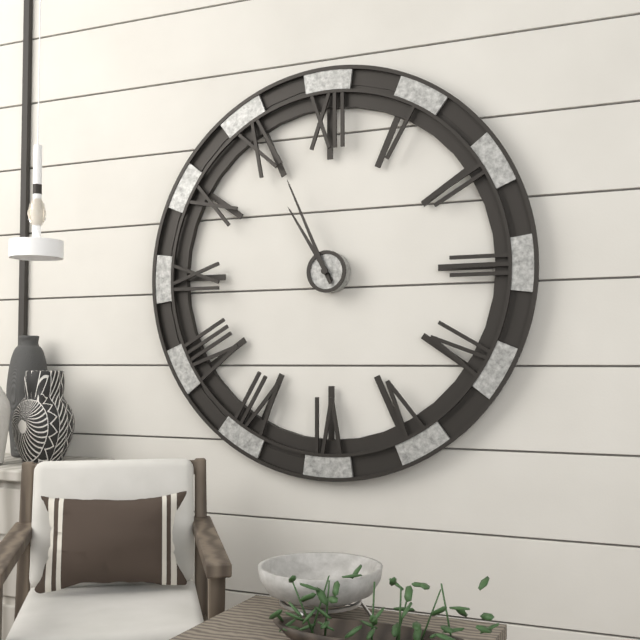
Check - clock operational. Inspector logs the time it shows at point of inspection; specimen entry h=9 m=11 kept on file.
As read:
h=10 m=56
